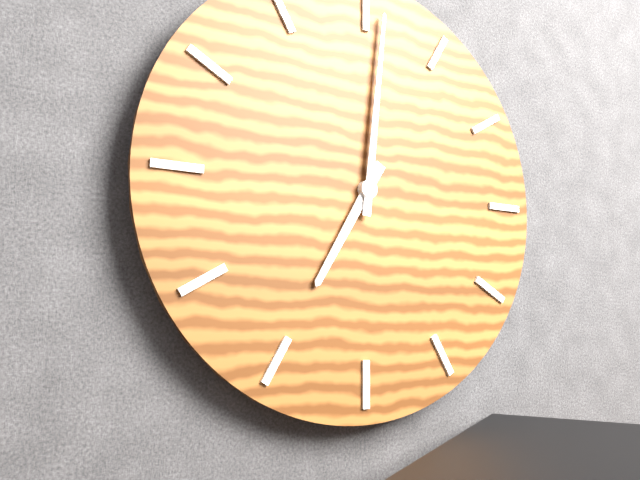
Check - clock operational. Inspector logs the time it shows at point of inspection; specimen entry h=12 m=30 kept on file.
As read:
h=7 m=1
